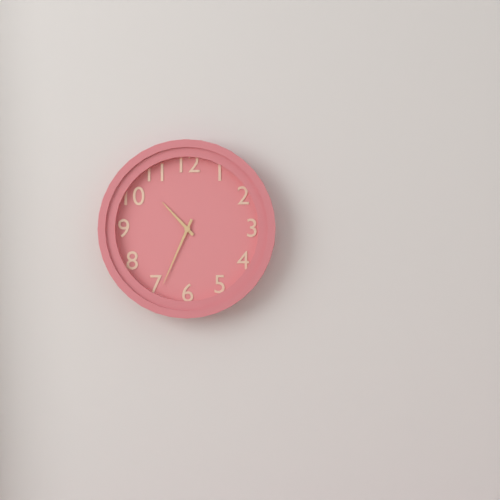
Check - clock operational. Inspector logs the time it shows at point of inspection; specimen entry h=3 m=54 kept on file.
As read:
h=10 m=34
